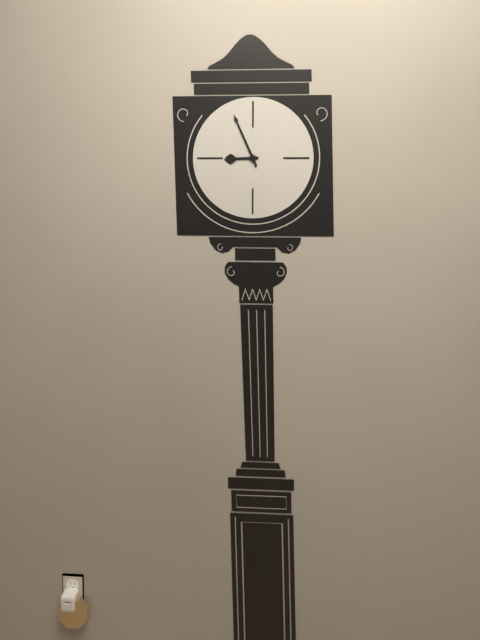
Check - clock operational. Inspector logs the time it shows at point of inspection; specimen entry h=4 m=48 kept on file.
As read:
h=8 m=56
